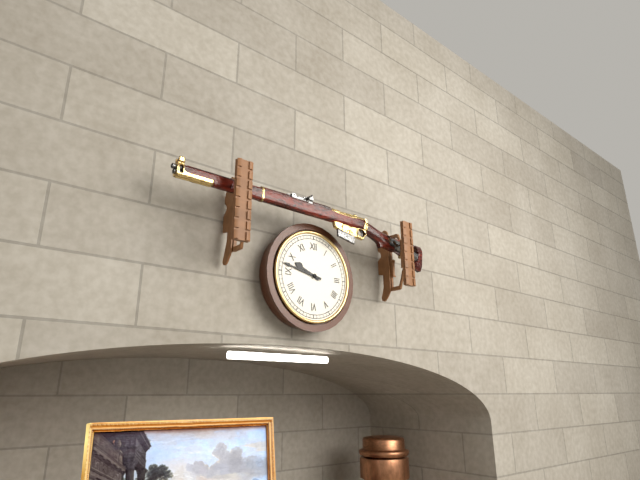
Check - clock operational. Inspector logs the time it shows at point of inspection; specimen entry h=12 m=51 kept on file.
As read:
h=9 m=47
